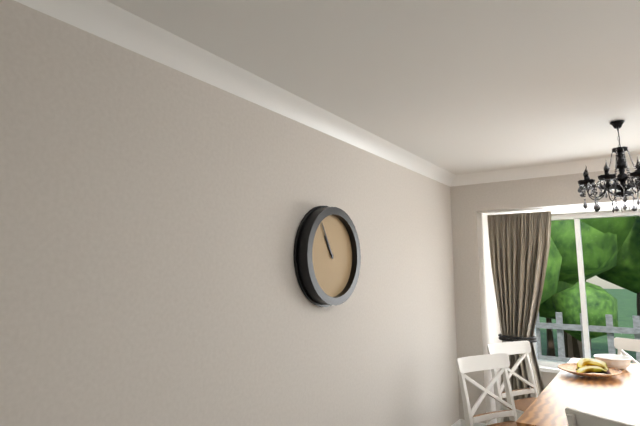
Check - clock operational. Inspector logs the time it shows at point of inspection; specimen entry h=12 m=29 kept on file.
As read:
h=10 m=55
